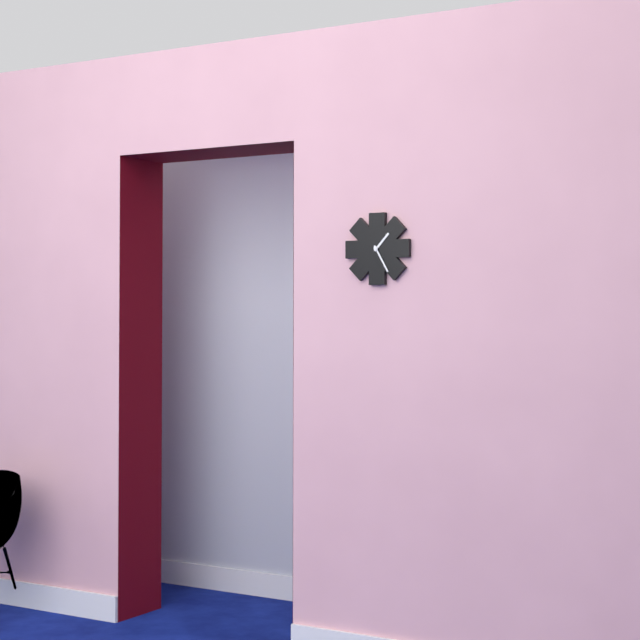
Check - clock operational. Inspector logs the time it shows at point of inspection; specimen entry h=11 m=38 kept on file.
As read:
h=1 m=25
